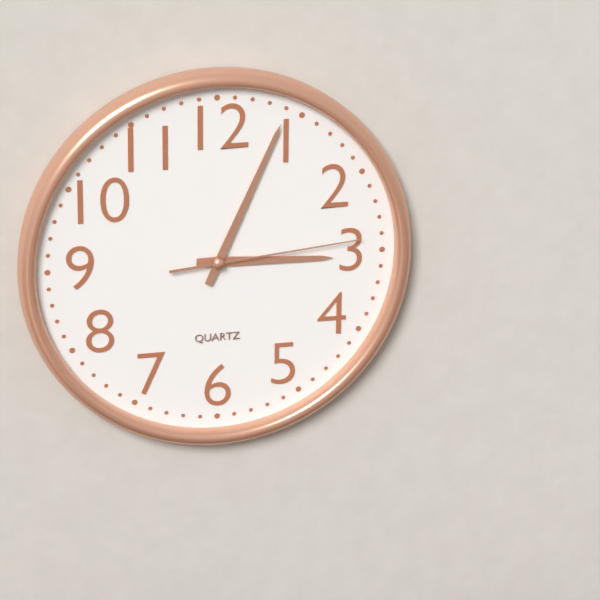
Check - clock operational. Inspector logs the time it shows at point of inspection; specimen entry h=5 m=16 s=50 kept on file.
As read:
h=3 m=4 s=14
